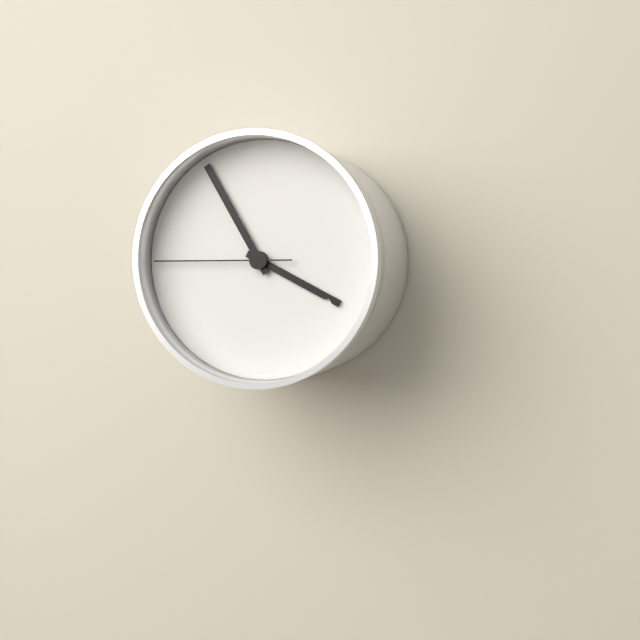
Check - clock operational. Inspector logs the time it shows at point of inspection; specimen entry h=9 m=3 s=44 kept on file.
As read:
h=3 m=55 s=45
